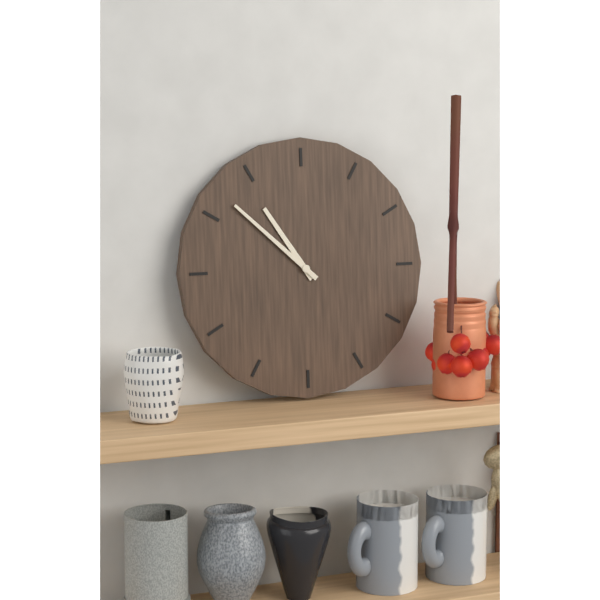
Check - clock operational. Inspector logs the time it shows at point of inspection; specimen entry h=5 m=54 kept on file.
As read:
h=10 m=52
